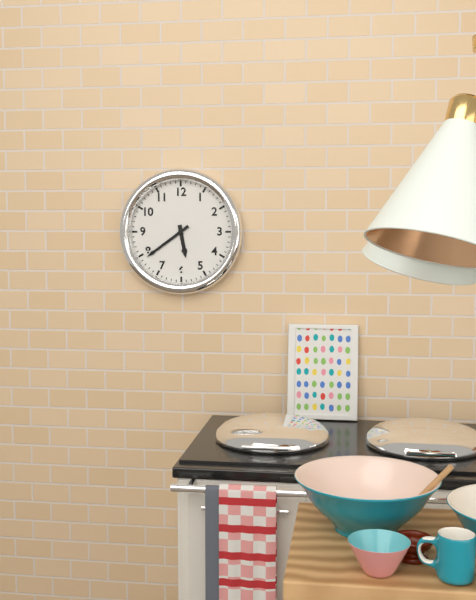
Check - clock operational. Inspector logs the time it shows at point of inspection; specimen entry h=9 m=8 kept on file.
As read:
h=5 m=39
